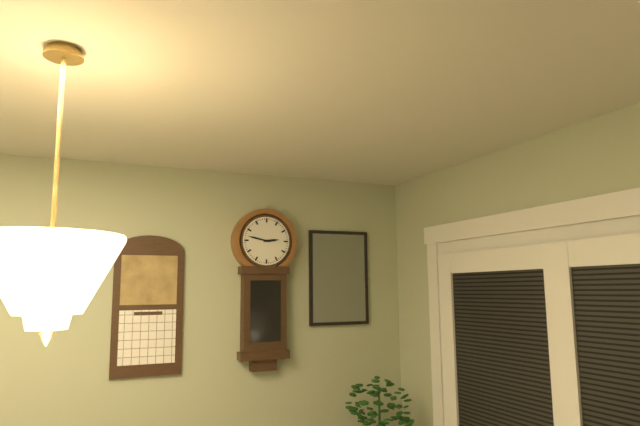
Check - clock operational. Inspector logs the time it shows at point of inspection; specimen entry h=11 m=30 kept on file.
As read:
h=2 m=47
